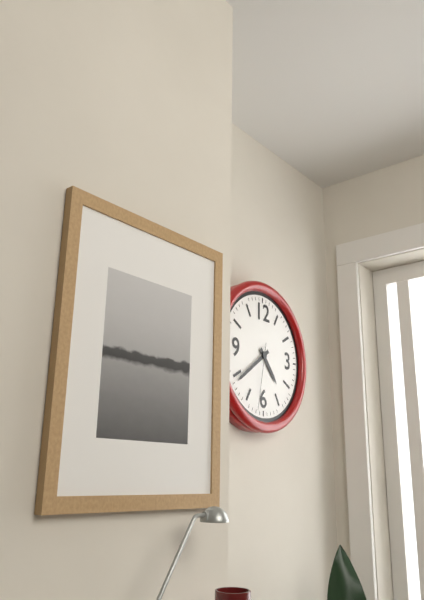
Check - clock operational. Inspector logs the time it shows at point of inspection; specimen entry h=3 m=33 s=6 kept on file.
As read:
h=4 m=39 s=32
